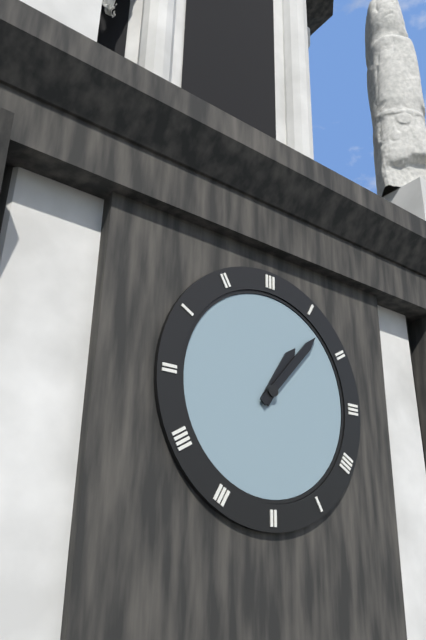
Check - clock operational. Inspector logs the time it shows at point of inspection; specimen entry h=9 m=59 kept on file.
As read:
h=1 m=7
